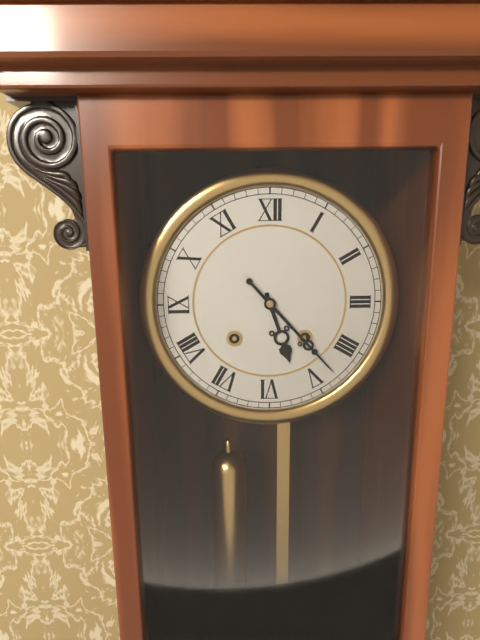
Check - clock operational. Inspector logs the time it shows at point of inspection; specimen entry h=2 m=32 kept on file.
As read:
h=5 m=23
